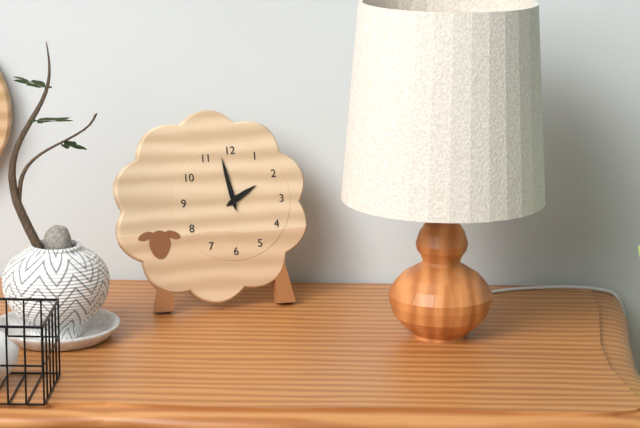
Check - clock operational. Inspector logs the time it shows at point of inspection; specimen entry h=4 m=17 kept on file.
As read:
h=1 m=58
